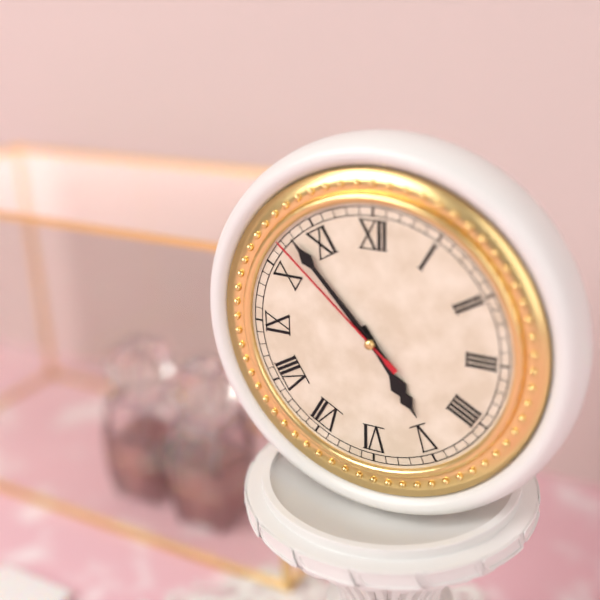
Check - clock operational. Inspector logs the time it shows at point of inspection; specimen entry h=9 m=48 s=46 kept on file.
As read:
h=4 m=53 s=52
